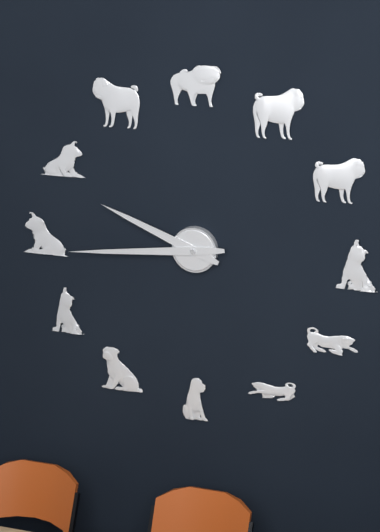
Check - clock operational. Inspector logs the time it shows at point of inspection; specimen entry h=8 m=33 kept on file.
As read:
h=9 m=44
